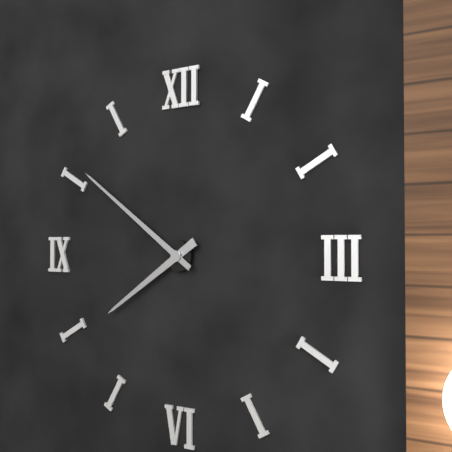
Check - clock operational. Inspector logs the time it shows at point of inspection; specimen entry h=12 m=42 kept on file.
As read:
h=7 m=51
